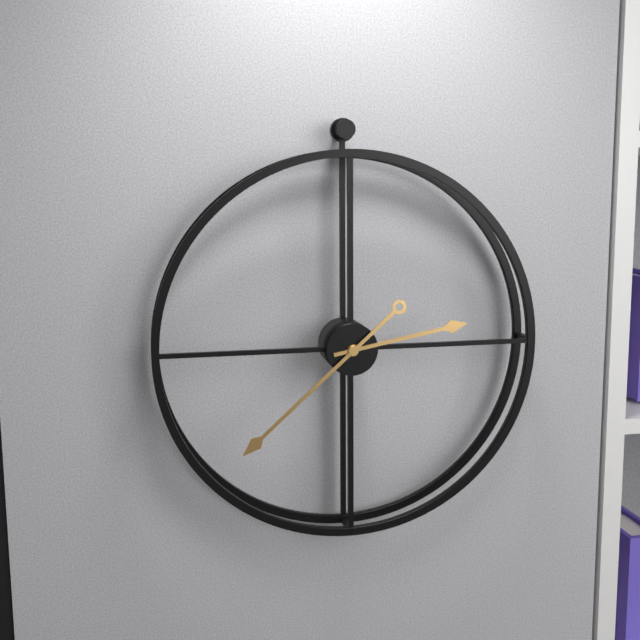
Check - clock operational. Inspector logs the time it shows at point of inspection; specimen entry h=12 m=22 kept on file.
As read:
h=2 m=38
